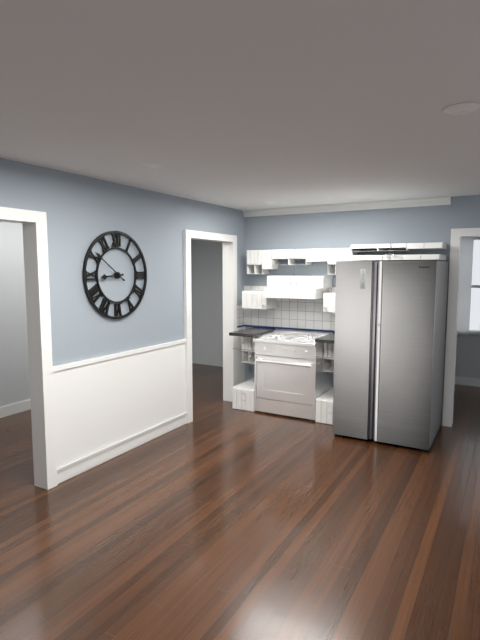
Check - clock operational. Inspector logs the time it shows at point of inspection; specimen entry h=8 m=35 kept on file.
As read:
h=8 m=51
